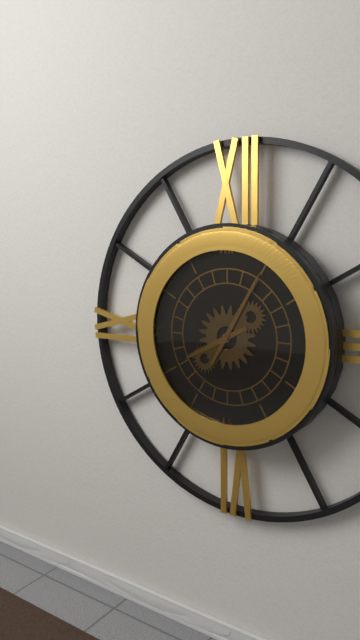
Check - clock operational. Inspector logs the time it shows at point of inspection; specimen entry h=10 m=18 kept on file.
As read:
h=8 m=5
